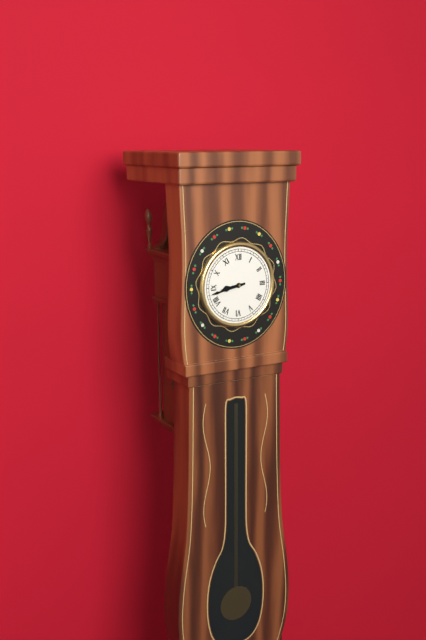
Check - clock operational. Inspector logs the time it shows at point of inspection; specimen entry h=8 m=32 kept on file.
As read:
h=8 m=43
